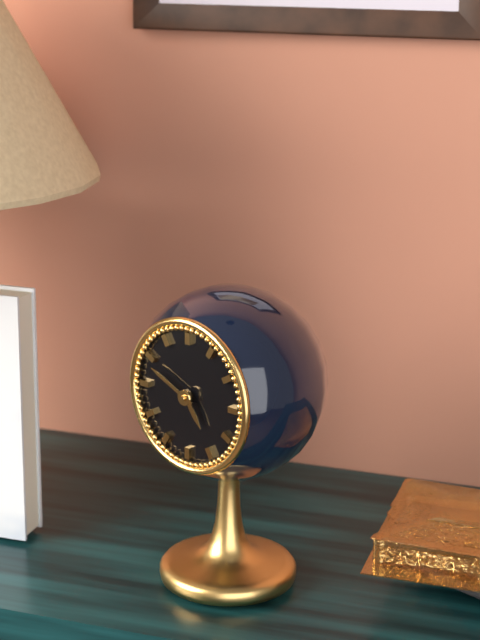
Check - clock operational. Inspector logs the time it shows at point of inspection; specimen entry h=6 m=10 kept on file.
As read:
h=4 m=49
